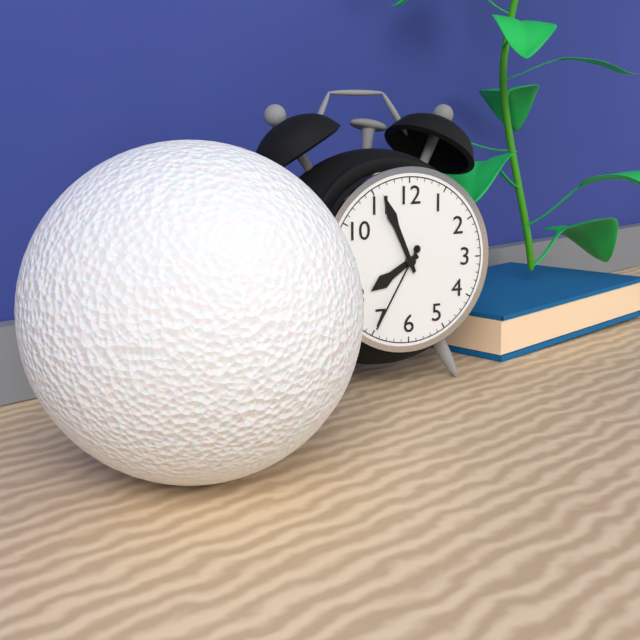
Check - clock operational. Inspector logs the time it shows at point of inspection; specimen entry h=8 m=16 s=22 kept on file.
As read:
h=7 m=56 s=35
